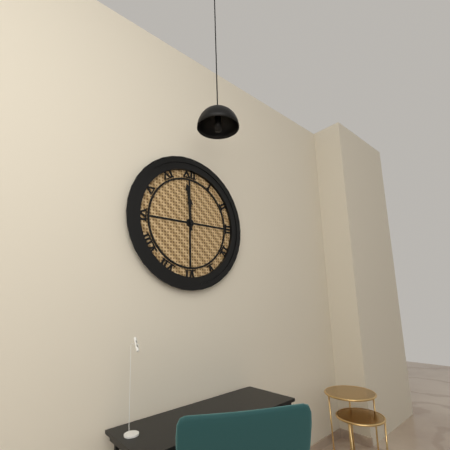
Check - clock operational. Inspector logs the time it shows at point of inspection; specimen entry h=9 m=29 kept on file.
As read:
h=11 m=59
